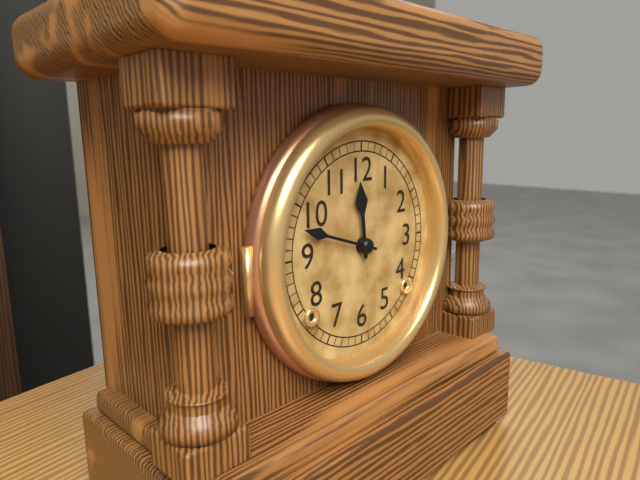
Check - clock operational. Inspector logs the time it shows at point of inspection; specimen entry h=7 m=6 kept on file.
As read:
h=11 m=48
